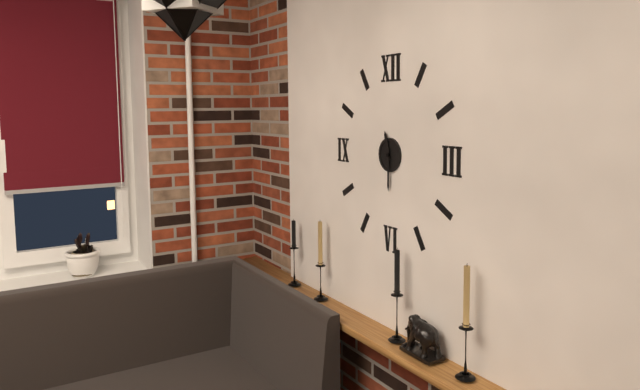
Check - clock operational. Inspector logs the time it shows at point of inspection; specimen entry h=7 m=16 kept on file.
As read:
h=11 m=30
